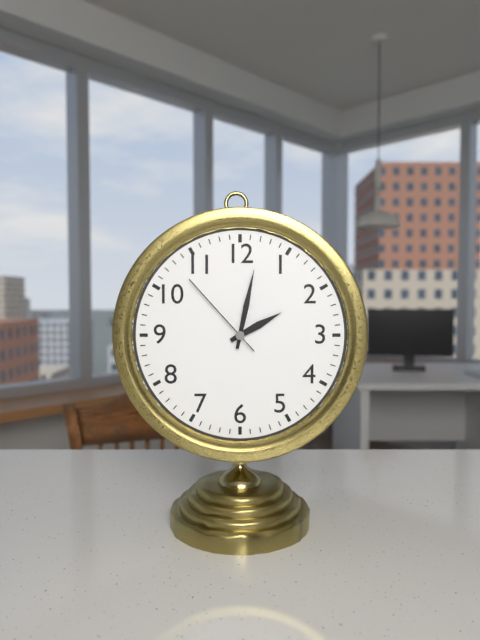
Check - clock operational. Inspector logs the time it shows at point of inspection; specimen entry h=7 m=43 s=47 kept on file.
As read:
h=2 m=2 s=53
